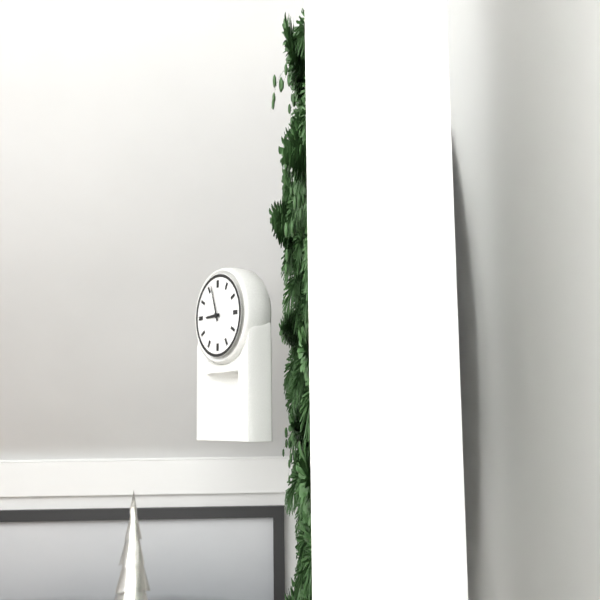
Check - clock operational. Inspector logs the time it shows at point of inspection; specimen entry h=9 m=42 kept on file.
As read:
h=8 m=57
